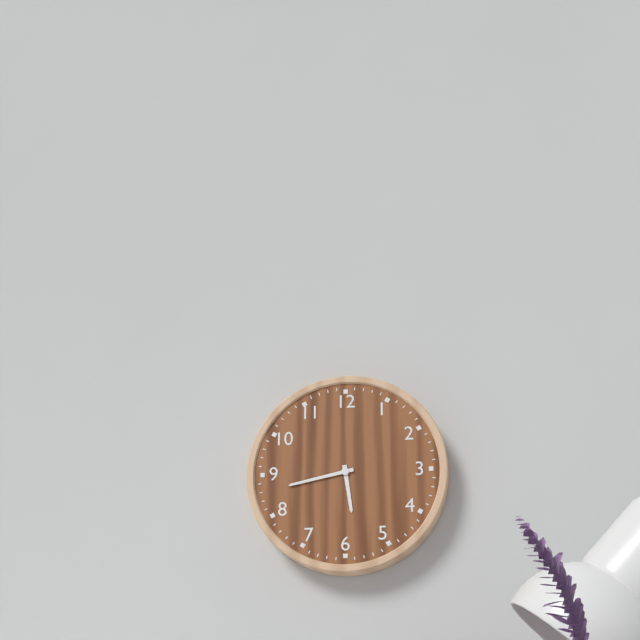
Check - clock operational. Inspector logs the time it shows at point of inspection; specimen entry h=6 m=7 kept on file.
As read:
h=5 m=43
